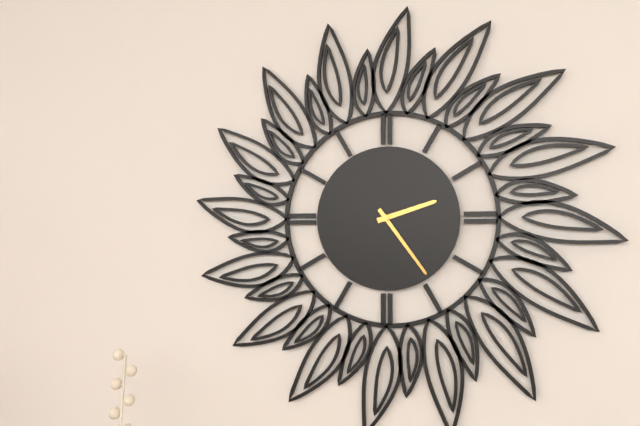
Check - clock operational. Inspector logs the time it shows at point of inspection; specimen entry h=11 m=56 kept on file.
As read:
h=2 m=24
